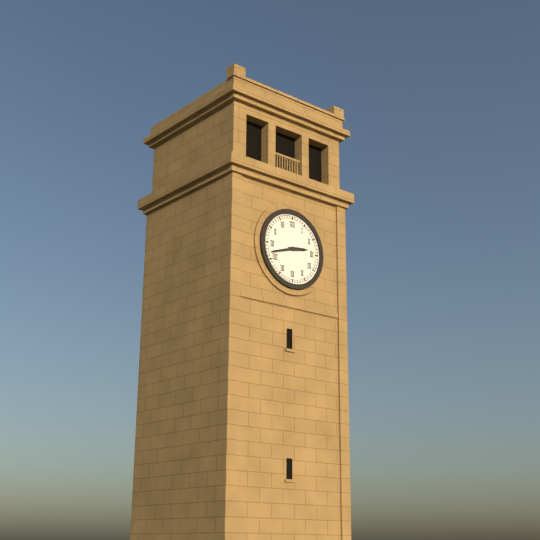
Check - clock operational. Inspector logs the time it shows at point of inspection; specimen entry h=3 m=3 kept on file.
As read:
h=2 m=42
